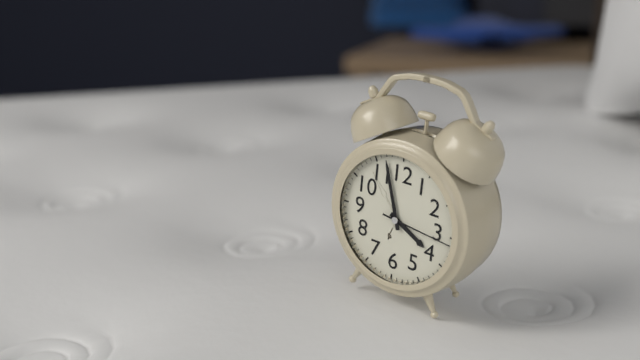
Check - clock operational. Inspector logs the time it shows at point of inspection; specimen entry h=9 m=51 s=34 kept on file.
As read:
h=3 m=57 s=16
